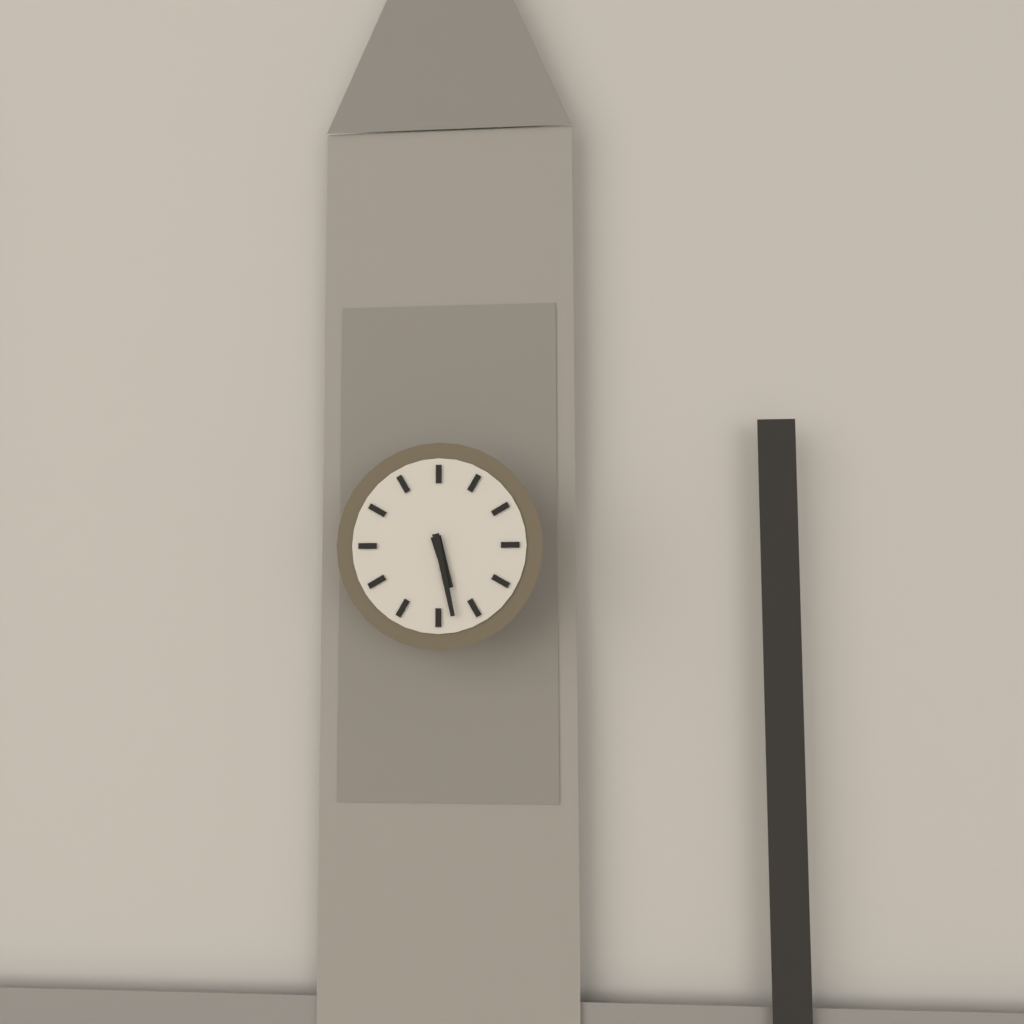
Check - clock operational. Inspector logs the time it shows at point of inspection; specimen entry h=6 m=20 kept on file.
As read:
h=5 m=28
